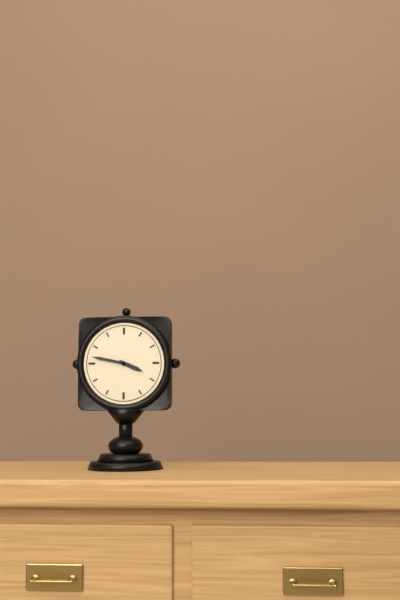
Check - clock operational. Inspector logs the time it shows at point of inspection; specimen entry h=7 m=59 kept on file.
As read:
h=3 m=47
